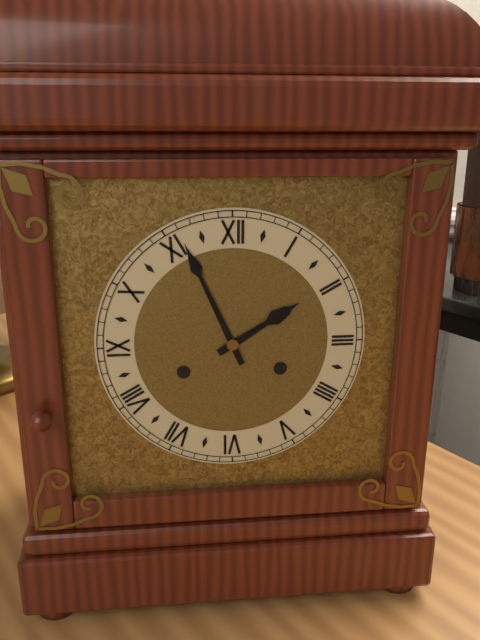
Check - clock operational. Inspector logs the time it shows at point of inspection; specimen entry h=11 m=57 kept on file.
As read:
h=1 m=56
